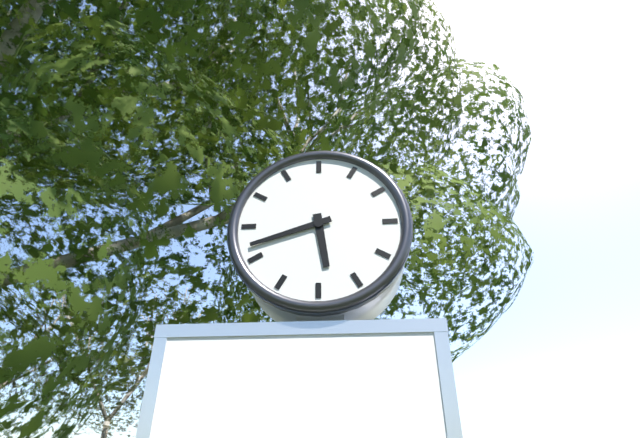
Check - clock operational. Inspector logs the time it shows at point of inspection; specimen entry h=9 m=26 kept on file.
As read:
h=5 m=42
